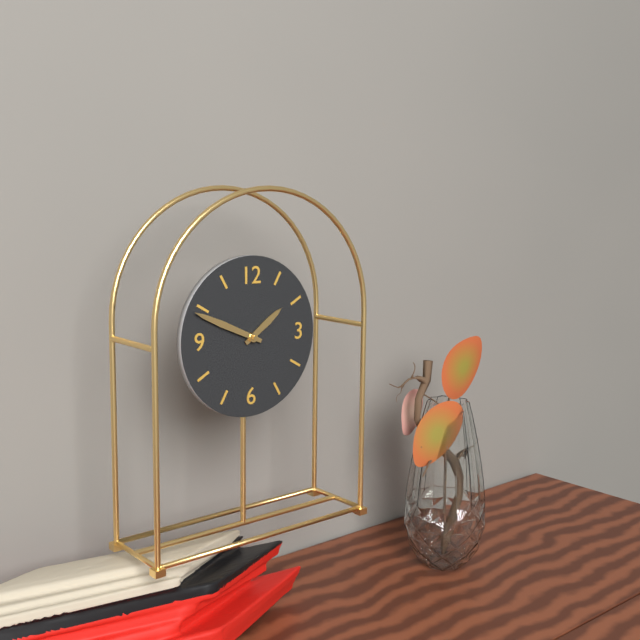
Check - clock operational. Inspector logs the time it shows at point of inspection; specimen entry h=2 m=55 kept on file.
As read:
h=1 m=49
